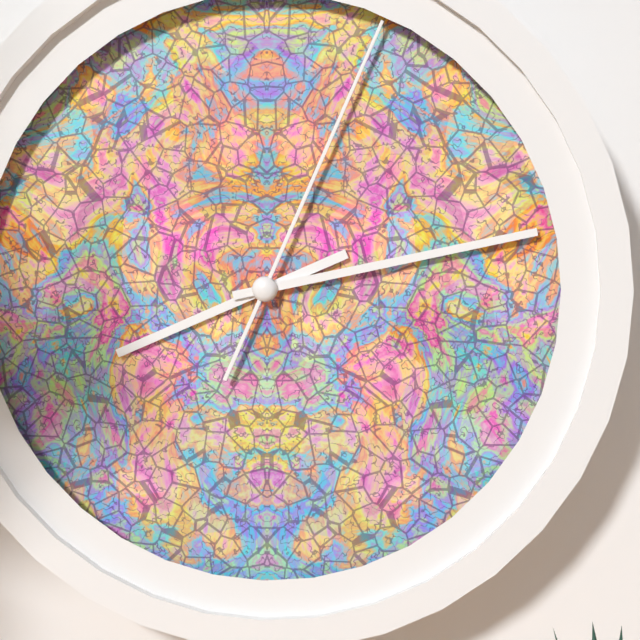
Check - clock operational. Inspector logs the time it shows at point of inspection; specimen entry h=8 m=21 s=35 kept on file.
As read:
h=8 m=13 s=4
